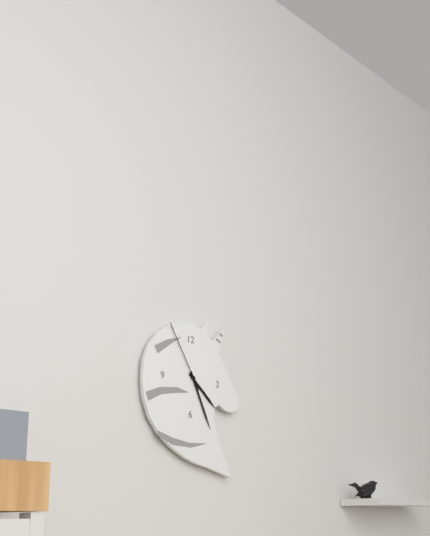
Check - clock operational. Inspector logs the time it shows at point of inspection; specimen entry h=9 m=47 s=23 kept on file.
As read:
h=4 m=26 s=55
